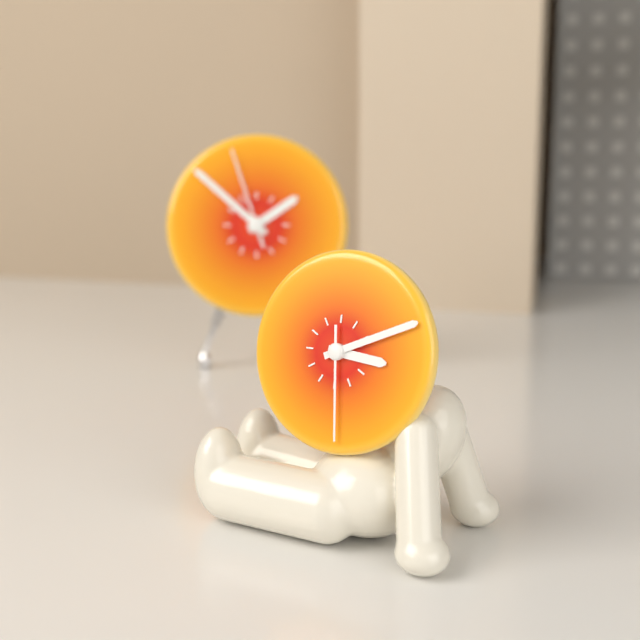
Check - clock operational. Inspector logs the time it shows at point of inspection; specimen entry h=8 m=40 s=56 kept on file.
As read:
h=3 m=11 s=29
